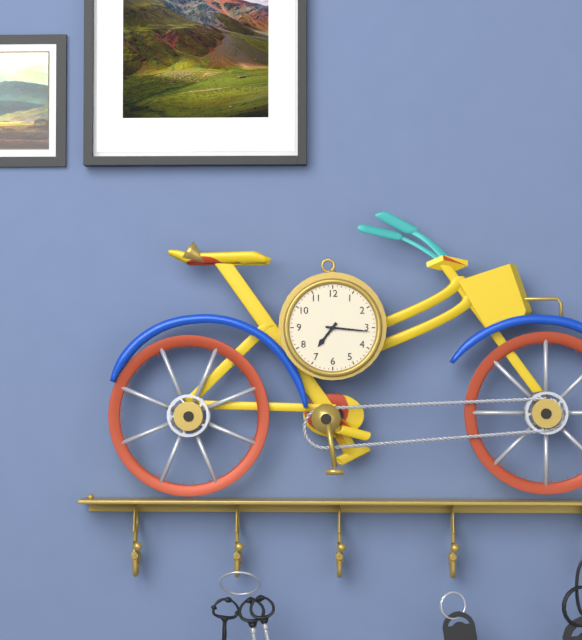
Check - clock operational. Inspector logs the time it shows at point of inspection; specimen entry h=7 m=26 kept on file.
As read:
h=7 m=16
